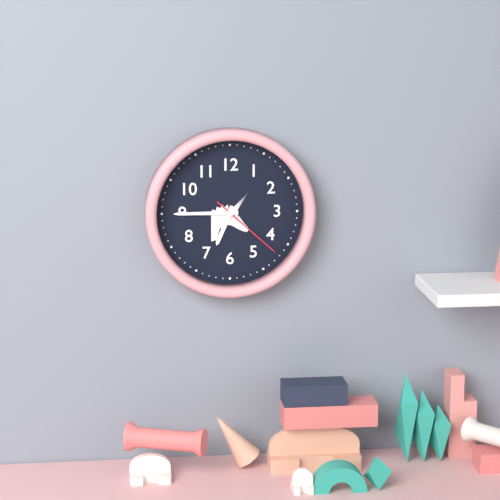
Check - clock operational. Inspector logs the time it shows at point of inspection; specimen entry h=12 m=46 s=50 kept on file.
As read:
h=6 m=45 s=22
